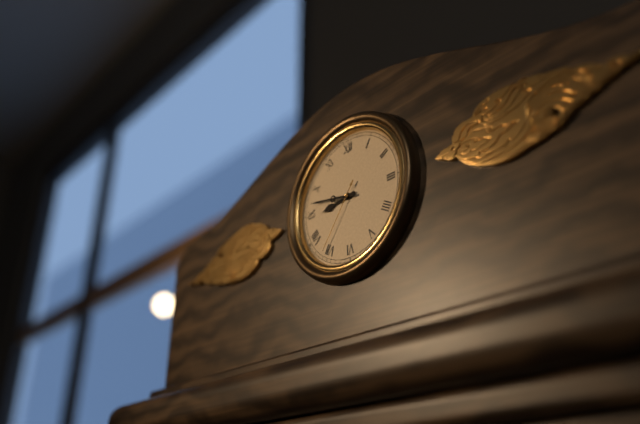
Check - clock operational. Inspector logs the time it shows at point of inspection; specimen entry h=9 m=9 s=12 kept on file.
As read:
h=8 m=47 s=36
